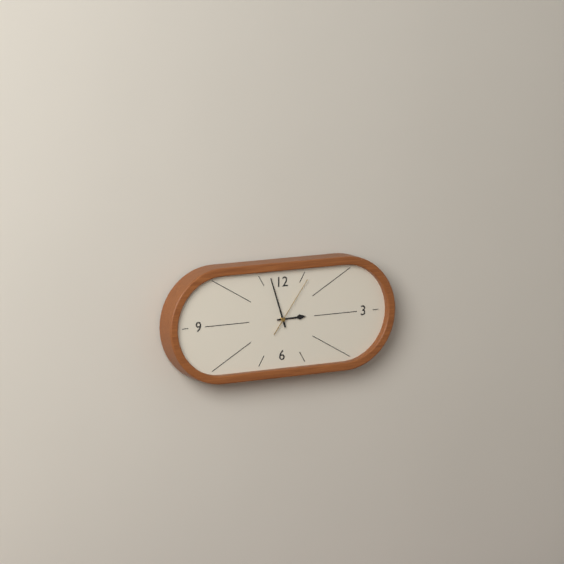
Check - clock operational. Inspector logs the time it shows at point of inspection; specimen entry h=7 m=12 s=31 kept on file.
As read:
h=2 m=57 s=6
